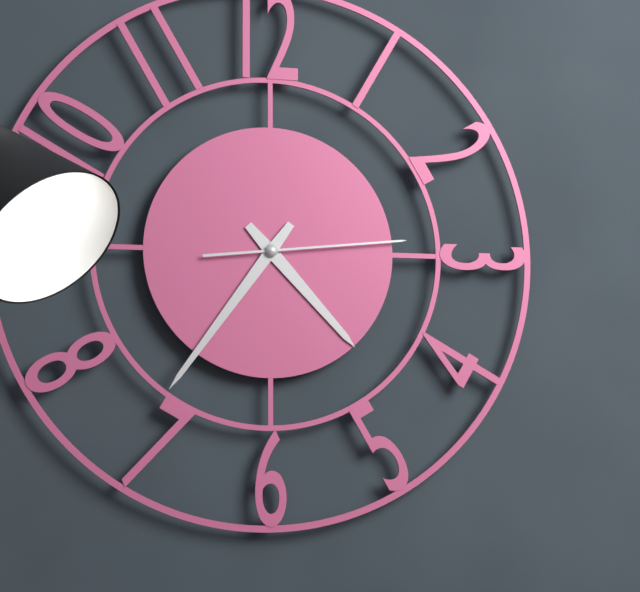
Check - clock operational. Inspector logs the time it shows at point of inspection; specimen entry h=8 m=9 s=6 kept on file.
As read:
h=4 m=36 s=14
